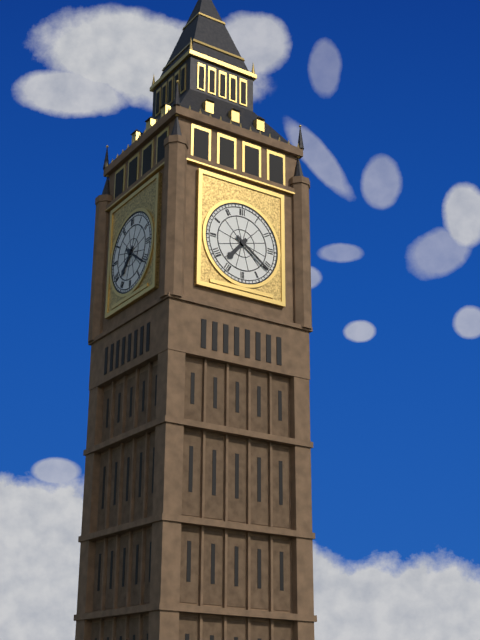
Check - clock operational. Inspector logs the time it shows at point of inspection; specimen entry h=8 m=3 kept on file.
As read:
h=7 m=21
